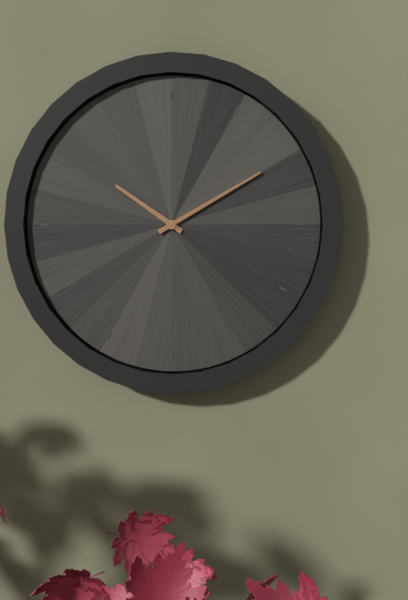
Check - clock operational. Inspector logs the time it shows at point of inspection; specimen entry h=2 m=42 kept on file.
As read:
h=10 m=10
